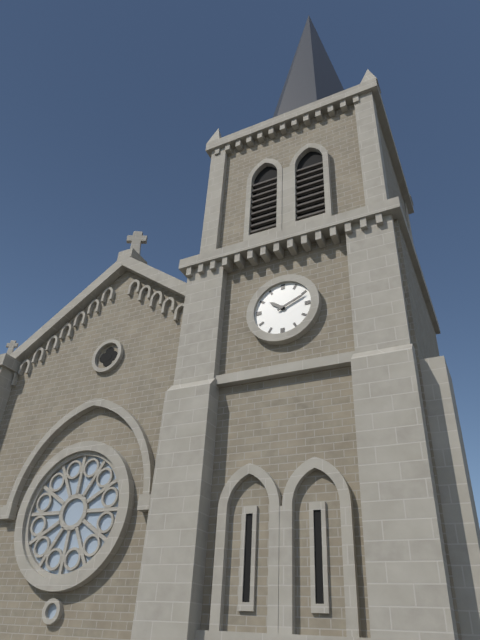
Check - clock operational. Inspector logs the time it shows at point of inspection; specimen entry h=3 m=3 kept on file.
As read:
h=10 m=11
